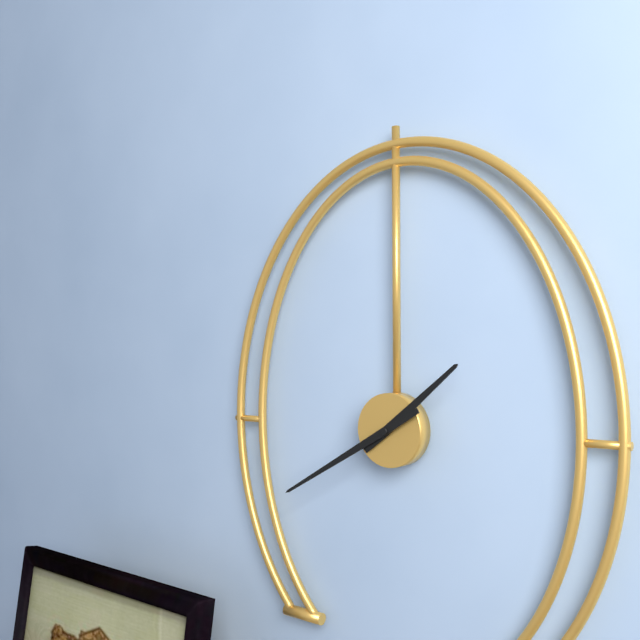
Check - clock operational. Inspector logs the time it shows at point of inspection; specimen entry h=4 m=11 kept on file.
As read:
h=1 m=40
